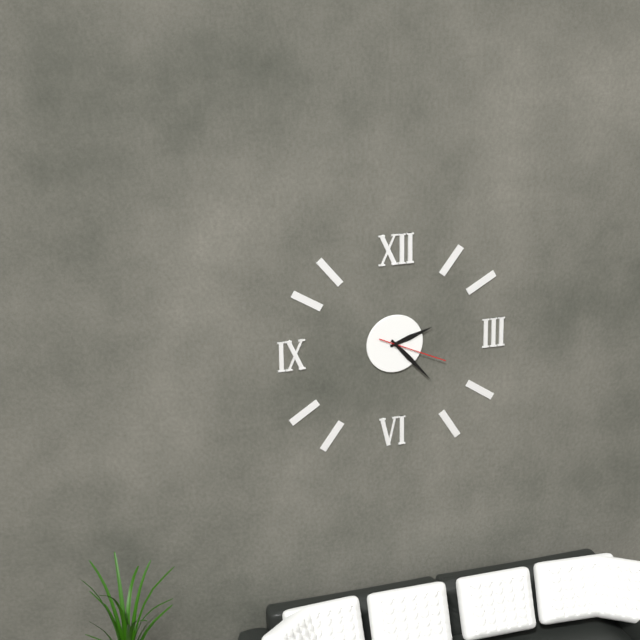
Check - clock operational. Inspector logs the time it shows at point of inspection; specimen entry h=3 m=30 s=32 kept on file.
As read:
h=2 m=23 s=19
